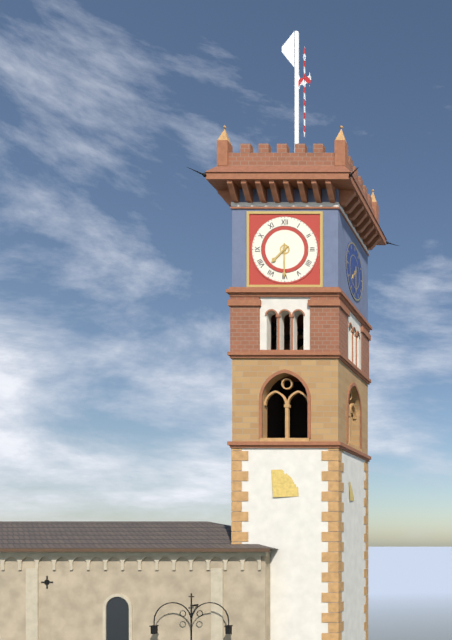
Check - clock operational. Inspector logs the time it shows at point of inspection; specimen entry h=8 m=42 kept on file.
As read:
h=7 m=30
